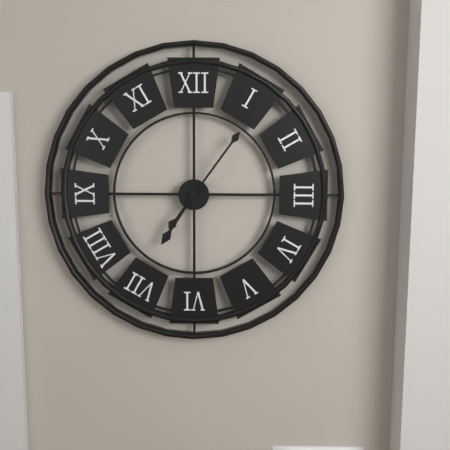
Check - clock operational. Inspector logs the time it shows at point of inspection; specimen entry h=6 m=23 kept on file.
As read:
h=7 m=6
